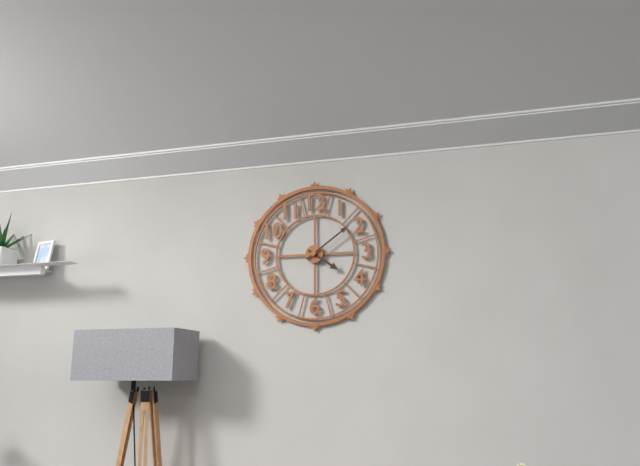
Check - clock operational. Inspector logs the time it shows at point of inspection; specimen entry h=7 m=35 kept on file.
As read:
h=4 m=9
